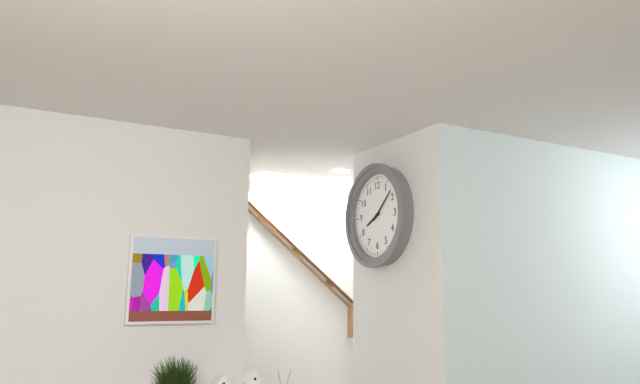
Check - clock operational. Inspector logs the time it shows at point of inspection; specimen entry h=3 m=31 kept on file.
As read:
h=8 m=8
